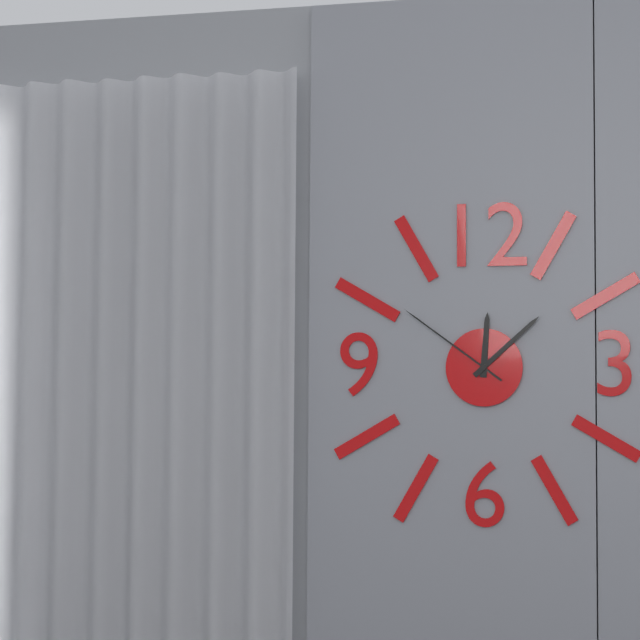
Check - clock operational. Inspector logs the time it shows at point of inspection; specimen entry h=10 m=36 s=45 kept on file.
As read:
h=12 m=8 s=51
